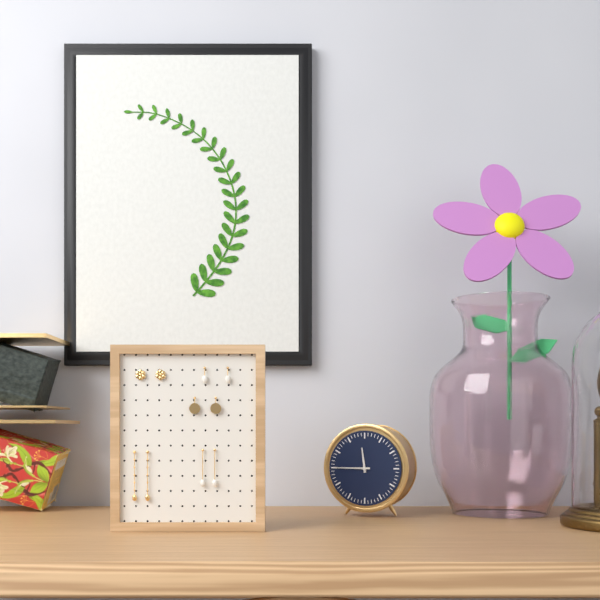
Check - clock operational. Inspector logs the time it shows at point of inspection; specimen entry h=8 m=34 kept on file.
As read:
h=11 m=45
